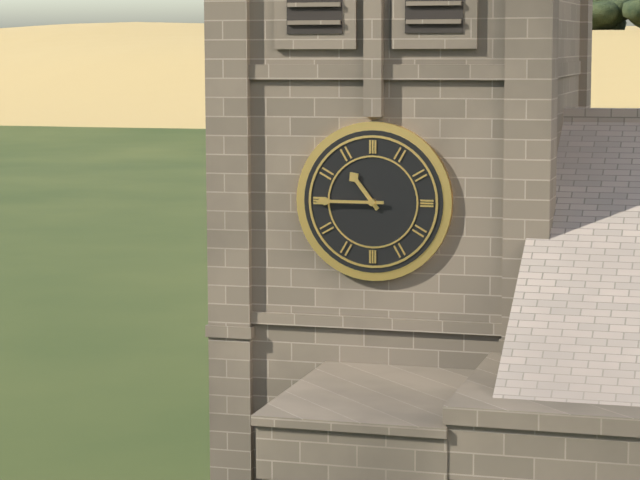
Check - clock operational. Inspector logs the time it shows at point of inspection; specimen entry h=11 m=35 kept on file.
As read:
h=10 m=45
